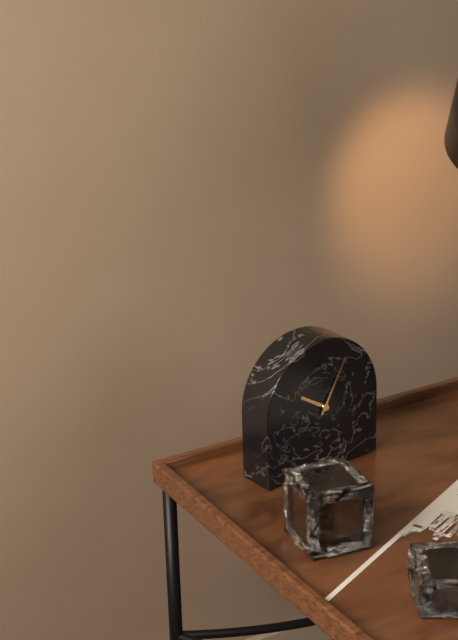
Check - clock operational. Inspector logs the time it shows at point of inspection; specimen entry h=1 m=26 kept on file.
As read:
h=10 m=5
